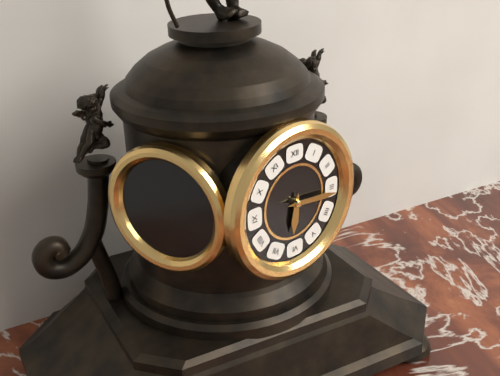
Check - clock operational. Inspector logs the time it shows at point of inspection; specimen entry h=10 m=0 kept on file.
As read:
h=6 m=16
